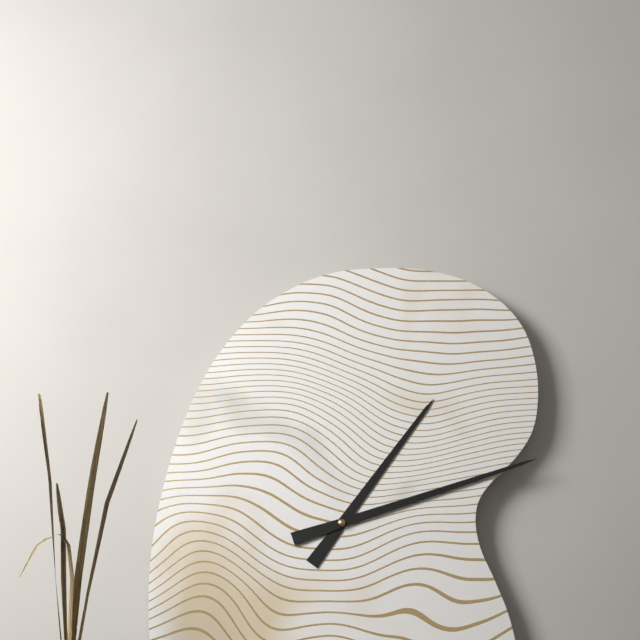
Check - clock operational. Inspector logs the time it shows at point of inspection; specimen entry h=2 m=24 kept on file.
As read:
h=1 m=12
